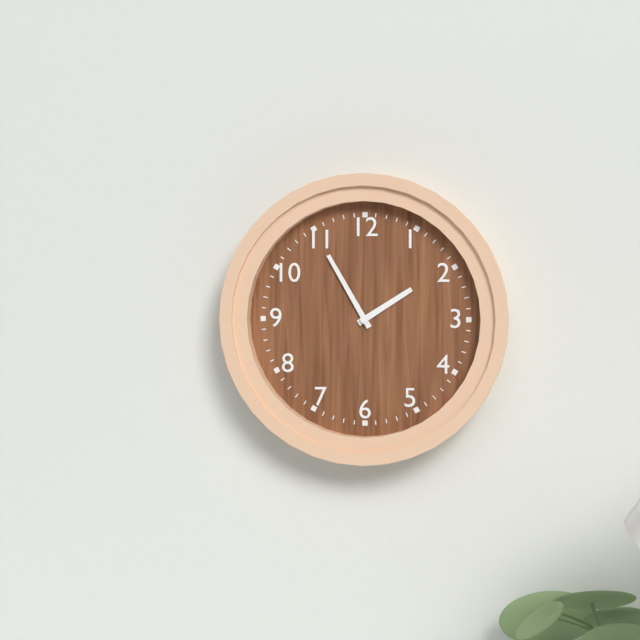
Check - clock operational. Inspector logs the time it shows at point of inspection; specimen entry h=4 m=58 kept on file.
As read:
h=1 m=55
